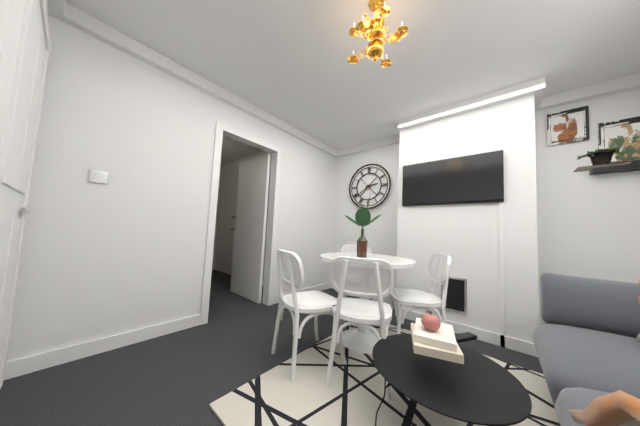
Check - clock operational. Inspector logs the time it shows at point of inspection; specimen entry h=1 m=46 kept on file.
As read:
h=2 m=39
